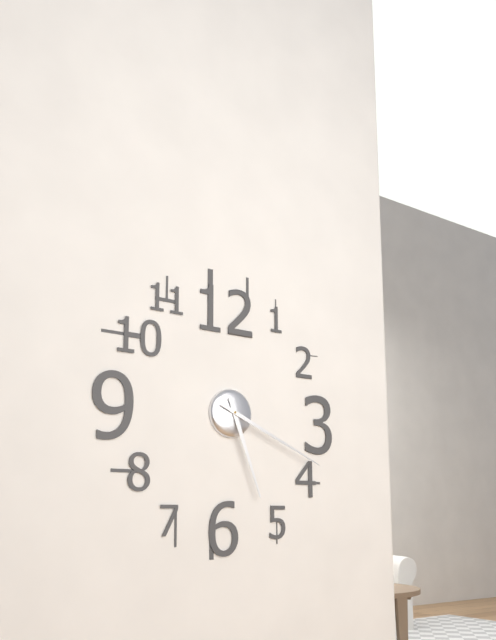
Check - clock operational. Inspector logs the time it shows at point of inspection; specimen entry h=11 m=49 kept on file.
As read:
h=5 m=19
